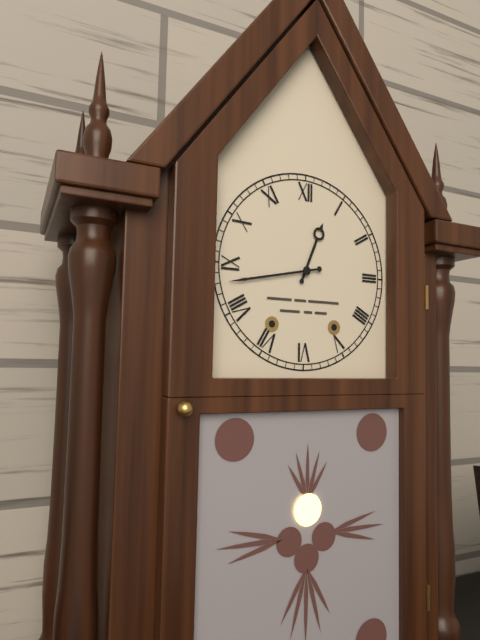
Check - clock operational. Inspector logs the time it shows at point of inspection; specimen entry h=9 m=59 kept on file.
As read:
h=12 m=43
